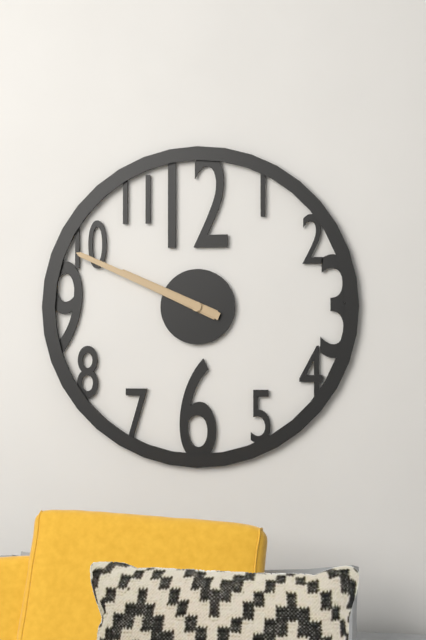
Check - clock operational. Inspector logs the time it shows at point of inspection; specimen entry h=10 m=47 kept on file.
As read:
h=9 m=49
